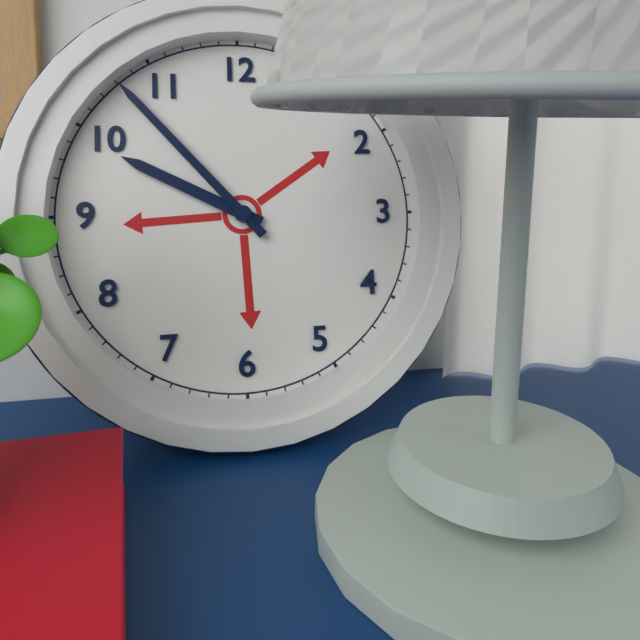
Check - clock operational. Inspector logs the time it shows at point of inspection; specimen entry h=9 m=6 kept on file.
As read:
h=9 m=53
